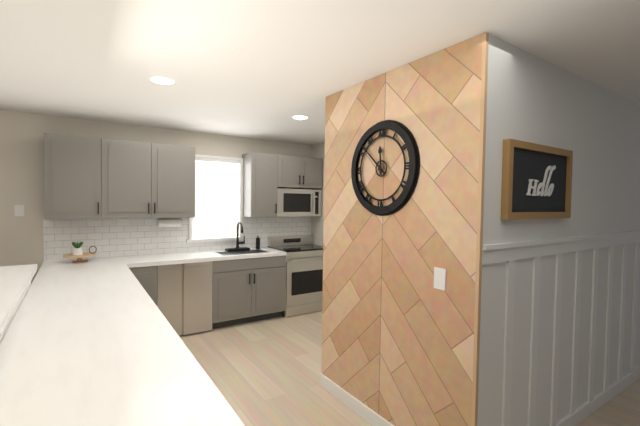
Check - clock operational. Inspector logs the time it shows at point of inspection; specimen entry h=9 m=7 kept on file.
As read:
h=11 m=52
